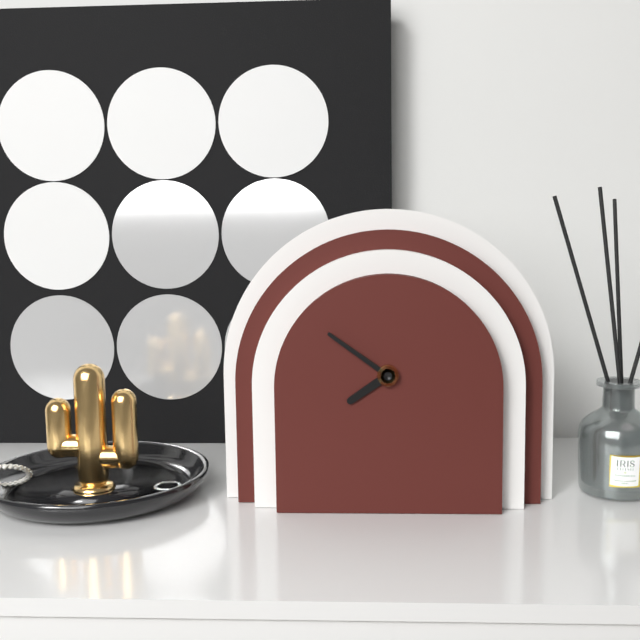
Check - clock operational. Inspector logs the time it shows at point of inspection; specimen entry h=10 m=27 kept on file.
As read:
h=7 m=51
